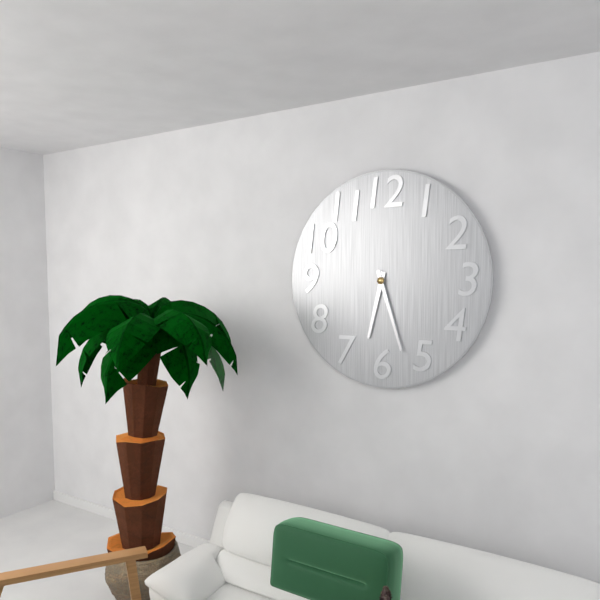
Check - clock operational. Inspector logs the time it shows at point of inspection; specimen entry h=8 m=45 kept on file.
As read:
h=6 m=27
